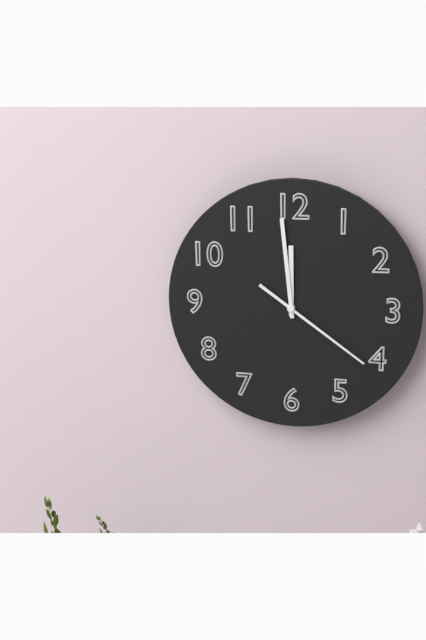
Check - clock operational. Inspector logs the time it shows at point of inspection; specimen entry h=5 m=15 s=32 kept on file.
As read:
h=11 m=59 s=21
